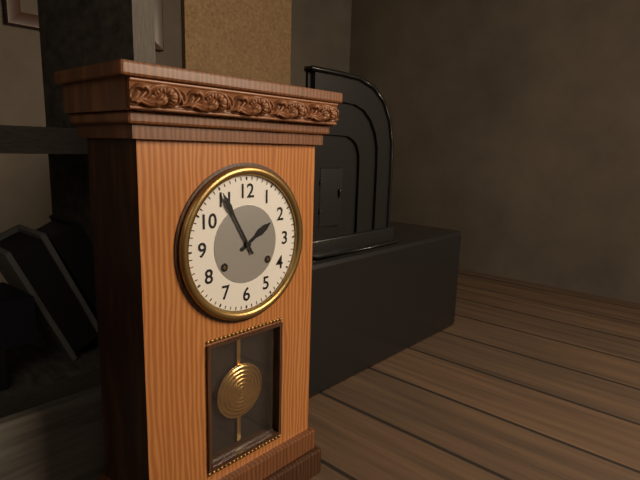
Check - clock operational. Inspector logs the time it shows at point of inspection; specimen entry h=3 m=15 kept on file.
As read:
h=1 m=55
